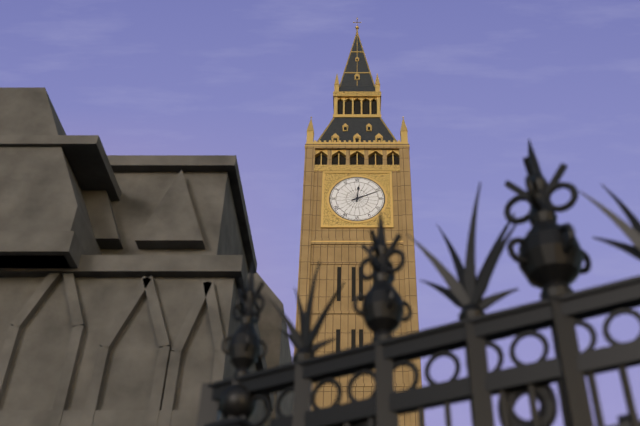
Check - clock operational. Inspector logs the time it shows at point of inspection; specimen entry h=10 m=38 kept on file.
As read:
h=12 m=11
